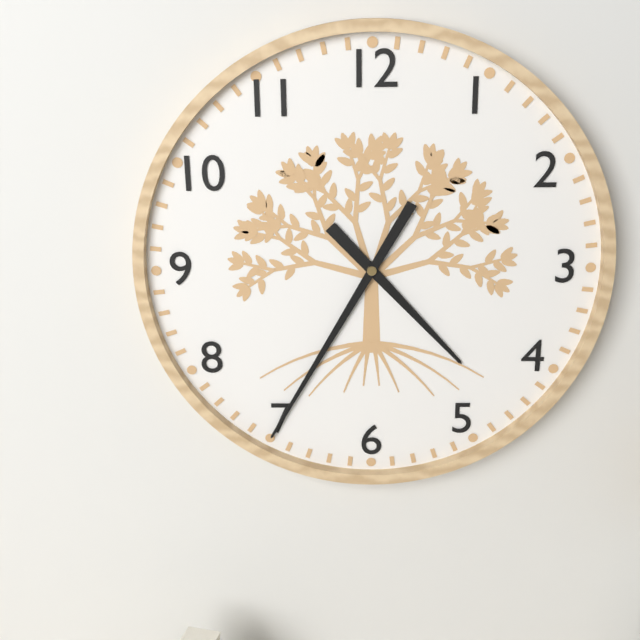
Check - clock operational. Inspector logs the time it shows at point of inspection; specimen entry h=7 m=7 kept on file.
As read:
h=4 m=35
